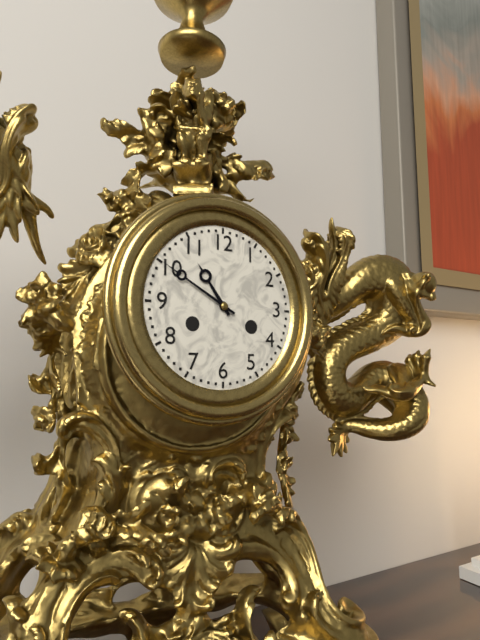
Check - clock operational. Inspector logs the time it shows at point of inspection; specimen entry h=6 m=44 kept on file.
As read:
h=10 m=50
